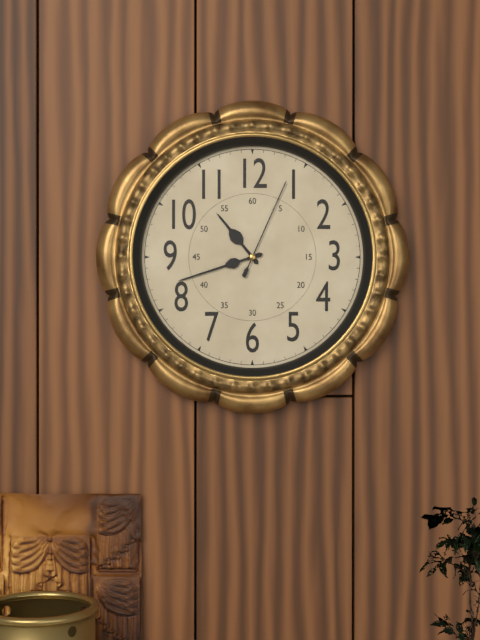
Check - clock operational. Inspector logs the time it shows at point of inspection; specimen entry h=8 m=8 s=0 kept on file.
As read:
h=10 m=42 s=4
